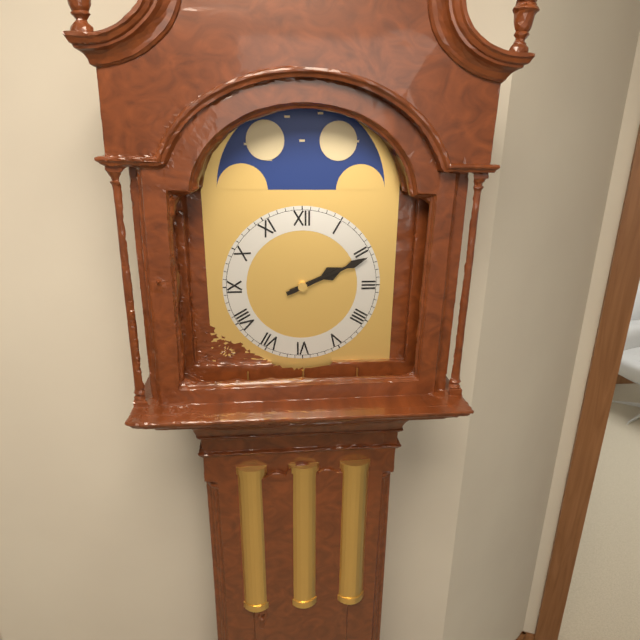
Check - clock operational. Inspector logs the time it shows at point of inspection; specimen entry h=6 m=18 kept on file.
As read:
h=2 m=11
